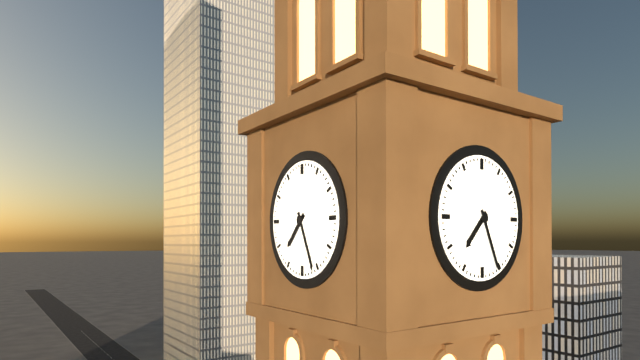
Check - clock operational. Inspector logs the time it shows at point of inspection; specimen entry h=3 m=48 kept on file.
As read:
h=7 m=26
